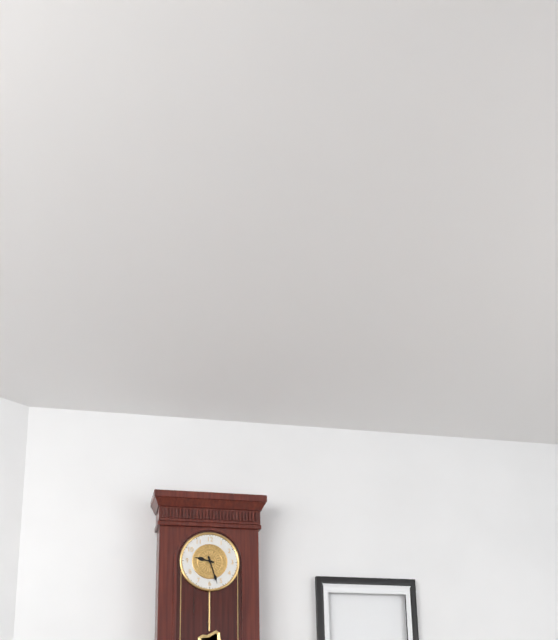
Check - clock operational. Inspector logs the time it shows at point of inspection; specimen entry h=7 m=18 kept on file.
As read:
h=9 m=27
